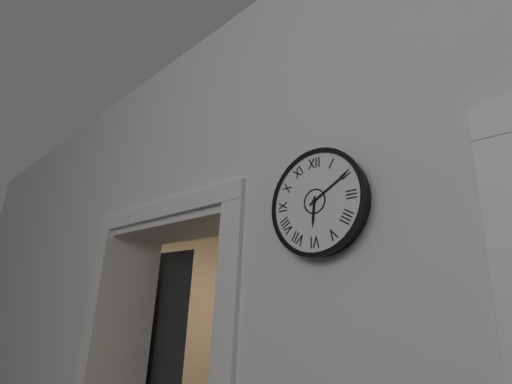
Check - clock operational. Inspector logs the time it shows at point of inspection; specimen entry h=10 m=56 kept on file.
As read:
h=6 m=10
